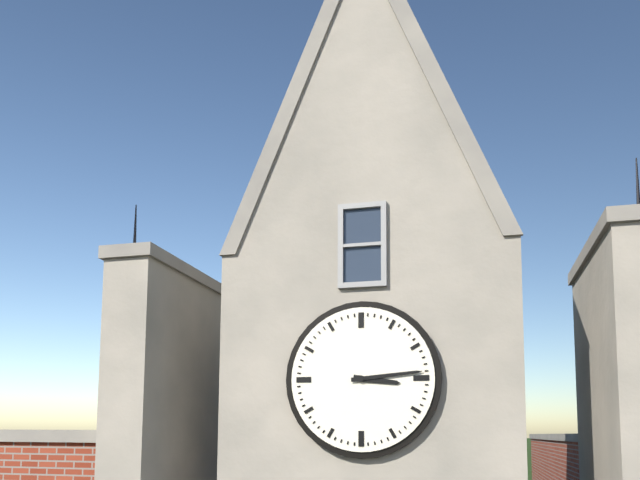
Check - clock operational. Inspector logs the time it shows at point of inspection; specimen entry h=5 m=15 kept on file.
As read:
h=3 m=14
